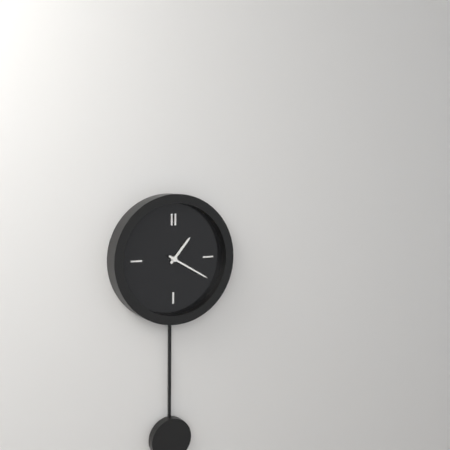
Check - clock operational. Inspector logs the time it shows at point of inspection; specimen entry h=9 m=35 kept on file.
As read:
h=1 m=20
